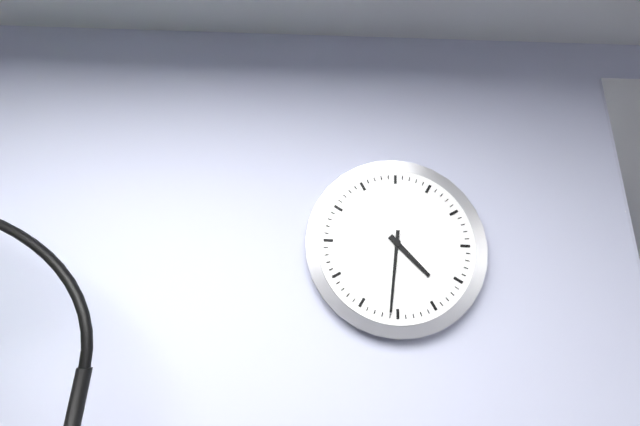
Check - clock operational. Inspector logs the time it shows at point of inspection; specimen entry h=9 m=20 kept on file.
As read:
h=4 m=31
